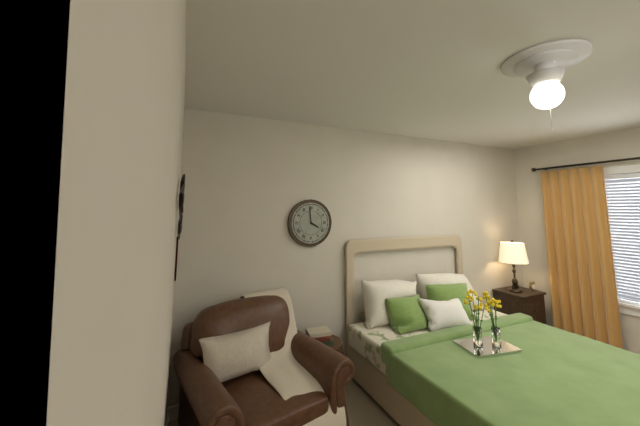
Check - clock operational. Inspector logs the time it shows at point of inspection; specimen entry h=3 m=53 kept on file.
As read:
h=3 m=59
